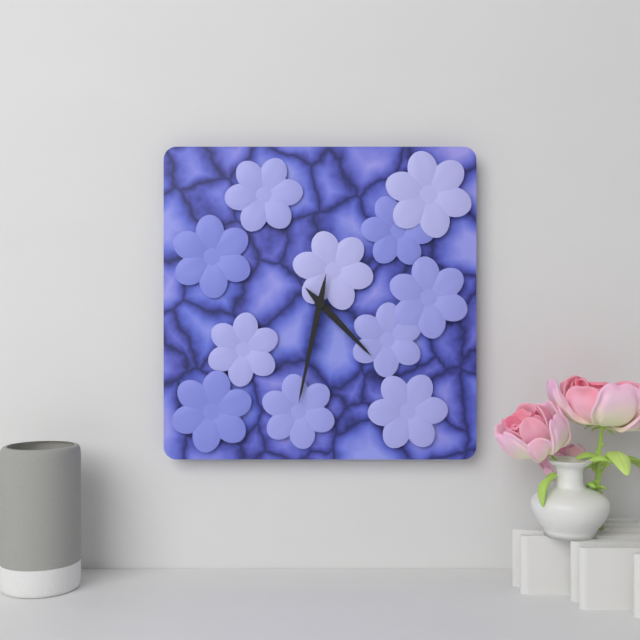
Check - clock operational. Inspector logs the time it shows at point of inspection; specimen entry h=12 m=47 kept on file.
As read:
h=4 m=32
